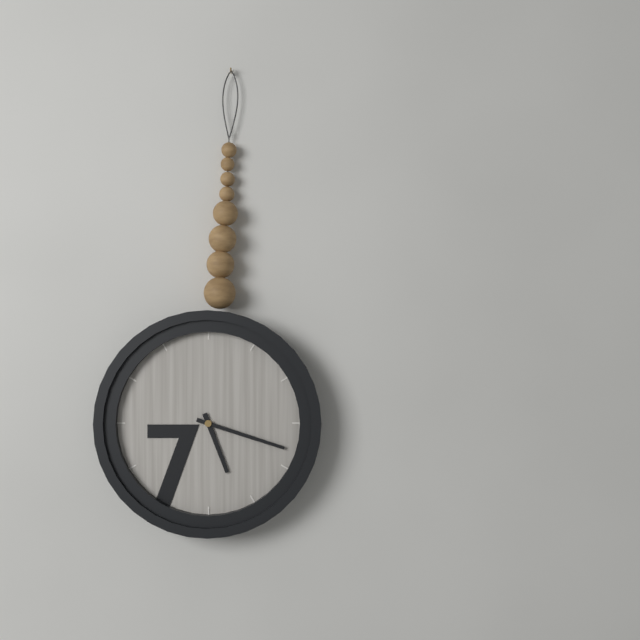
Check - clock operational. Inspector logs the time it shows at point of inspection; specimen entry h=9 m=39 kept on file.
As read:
h=5 m=18
